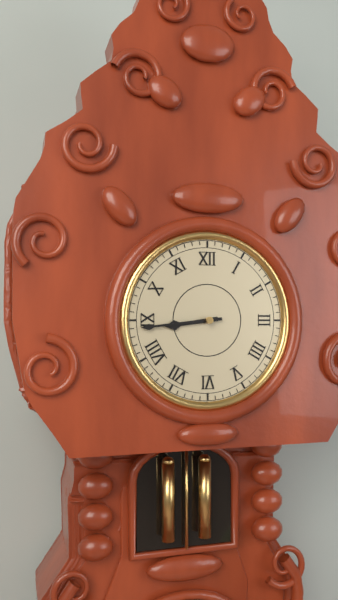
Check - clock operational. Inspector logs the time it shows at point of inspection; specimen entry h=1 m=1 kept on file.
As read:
h=8 m=44
